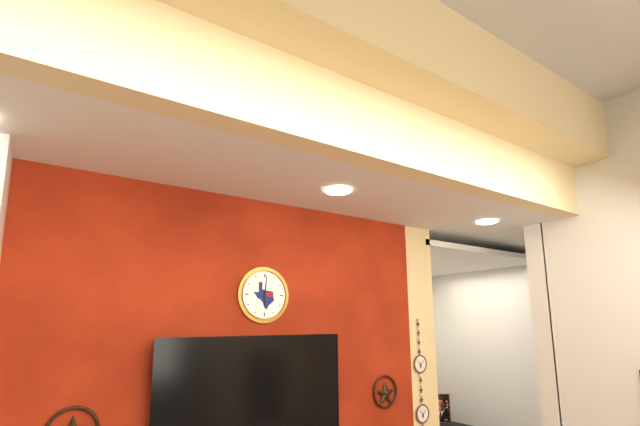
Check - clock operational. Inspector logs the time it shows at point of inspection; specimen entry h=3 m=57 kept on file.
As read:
h=6 m=1
